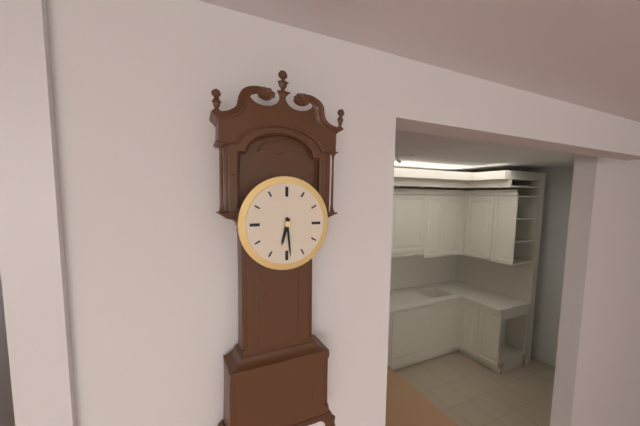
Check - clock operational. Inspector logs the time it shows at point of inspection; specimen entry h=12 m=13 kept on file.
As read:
h=6 m=29
